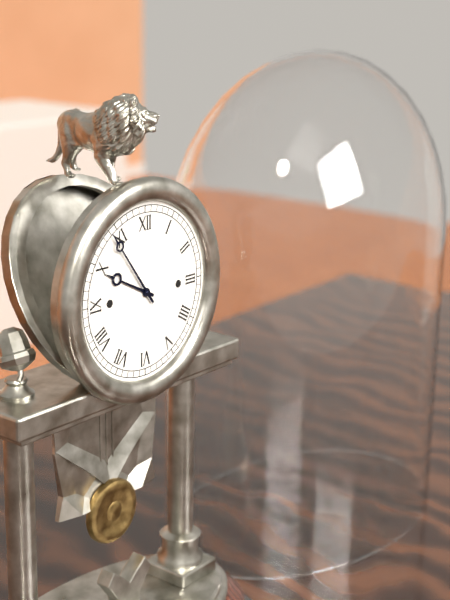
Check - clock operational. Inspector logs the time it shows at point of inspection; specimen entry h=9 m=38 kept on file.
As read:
h=9 m=54
